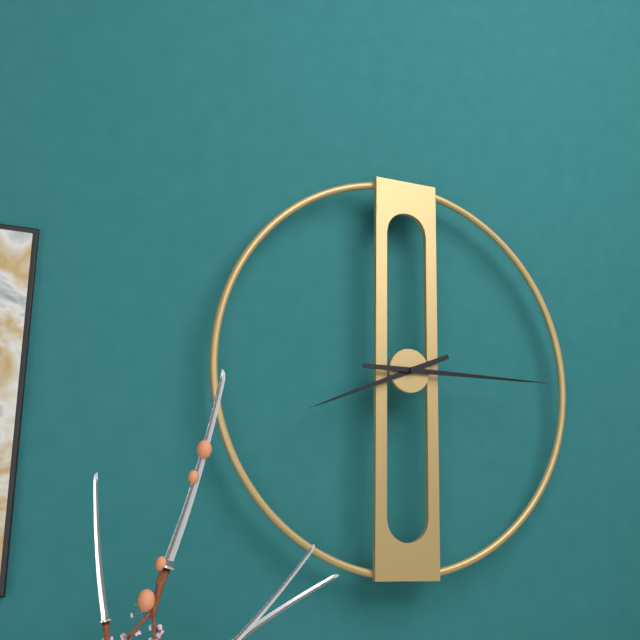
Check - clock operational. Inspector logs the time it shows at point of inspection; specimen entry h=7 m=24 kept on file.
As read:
h=8 m=15
